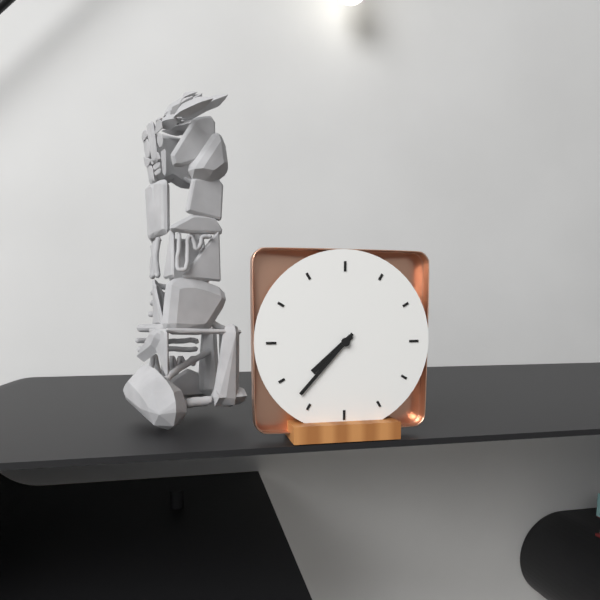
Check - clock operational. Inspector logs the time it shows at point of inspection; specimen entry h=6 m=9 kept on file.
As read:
h=7 m=37
